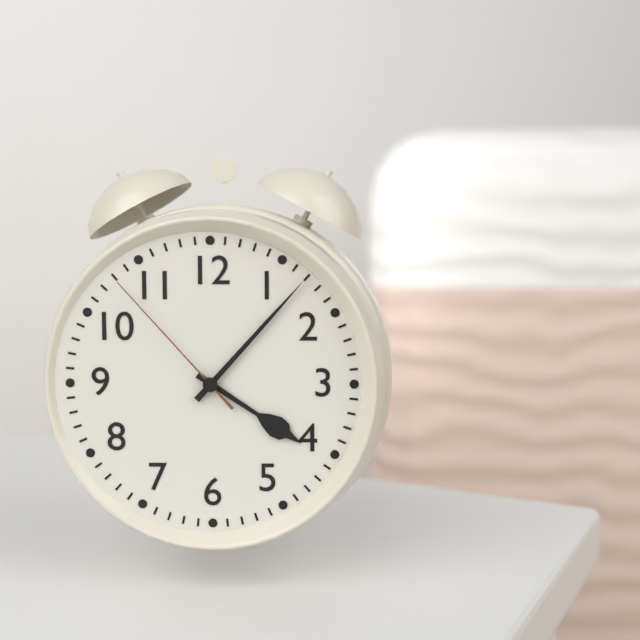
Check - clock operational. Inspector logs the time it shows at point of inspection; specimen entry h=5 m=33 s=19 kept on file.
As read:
h=4 m=7 s=53
